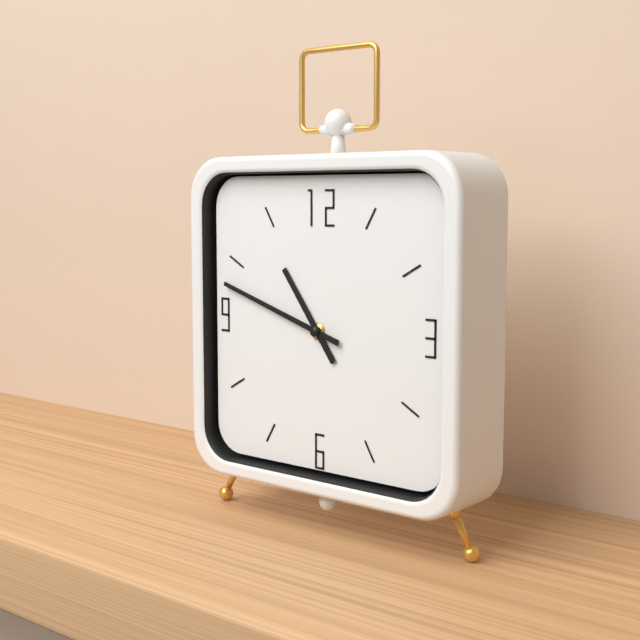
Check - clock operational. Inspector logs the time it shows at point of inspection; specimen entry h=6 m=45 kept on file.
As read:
h=10 m=48
